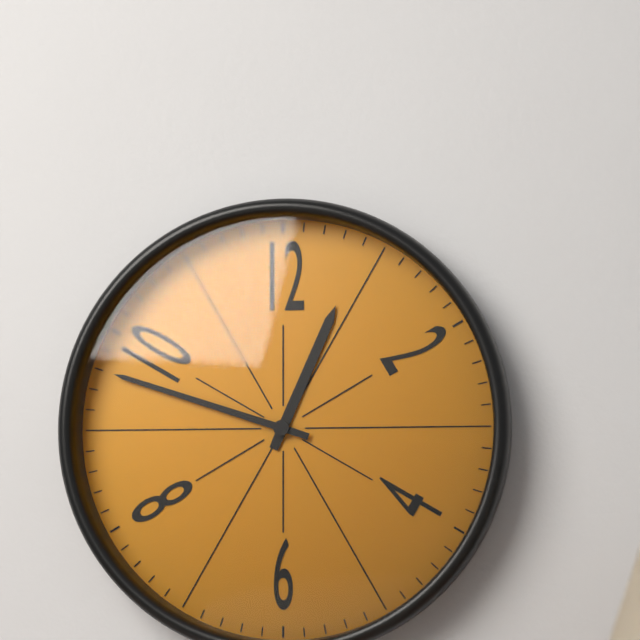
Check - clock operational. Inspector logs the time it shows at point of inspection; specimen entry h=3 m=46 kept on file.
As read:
h=12 m=48
